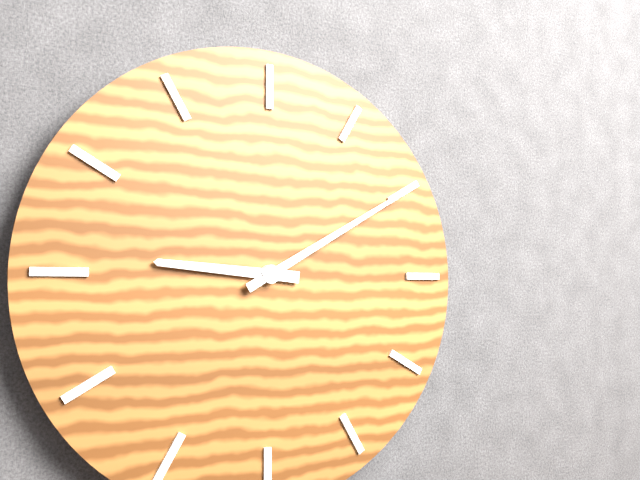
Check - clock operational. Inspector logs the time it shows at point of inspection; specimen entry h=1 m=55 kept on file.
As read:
h=9 m=10
